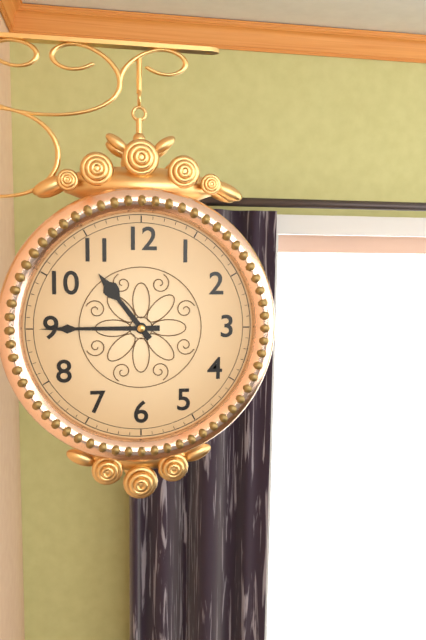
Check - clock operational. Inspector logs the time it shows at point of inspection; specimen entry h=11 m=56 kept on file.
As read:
h=10 m=45
